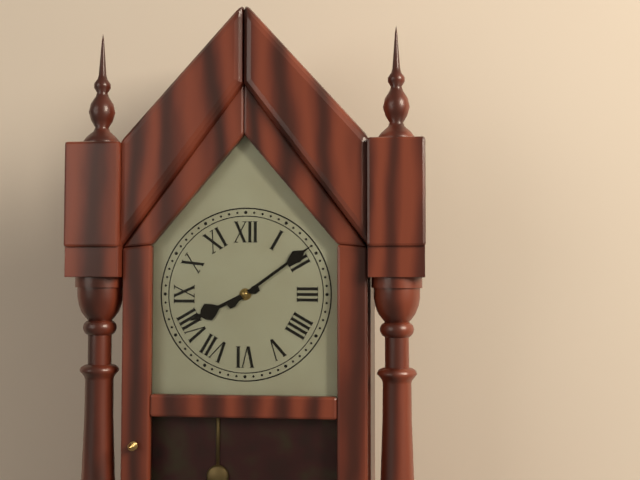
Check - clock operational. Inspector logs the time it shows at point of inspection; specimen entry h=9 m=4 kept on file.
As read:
h=8 m=9
